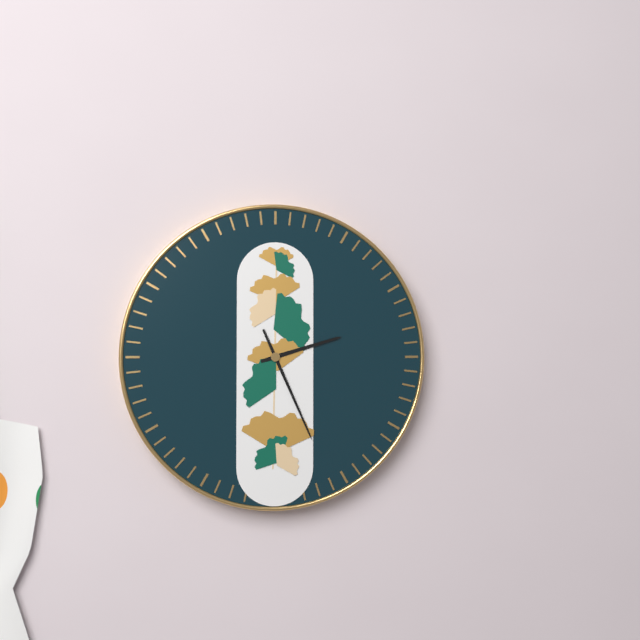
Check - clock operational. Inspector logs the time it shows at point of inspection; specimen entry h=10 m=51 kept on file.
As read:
h=2 m=26
